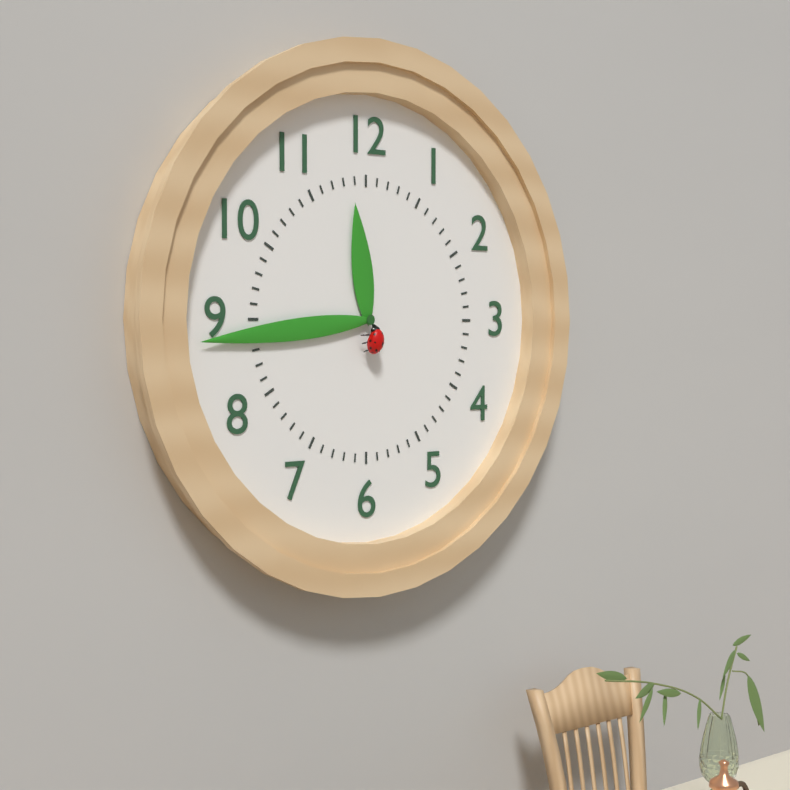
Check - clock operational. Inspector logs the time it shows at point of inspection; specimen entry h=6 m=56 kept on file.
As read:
h=11 m=44
